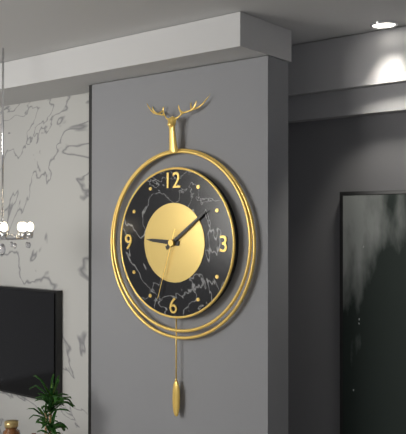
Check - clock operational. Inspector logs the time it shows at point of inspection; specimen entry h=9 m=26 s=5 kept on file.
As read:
h=9 m=9 s=33
